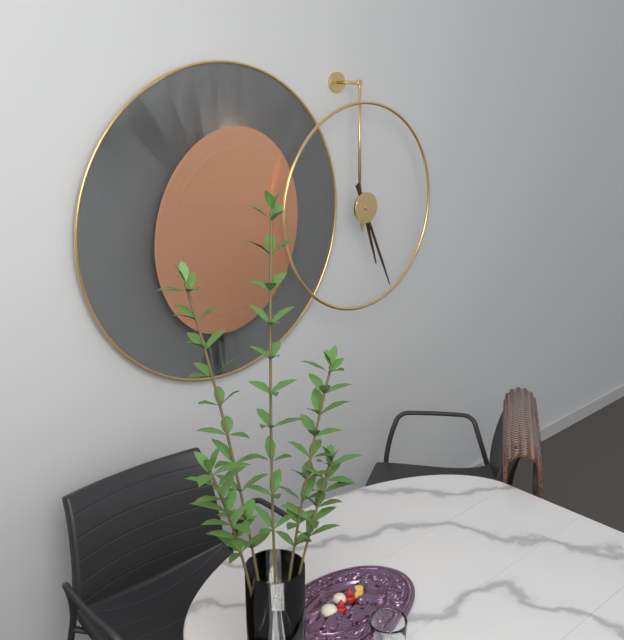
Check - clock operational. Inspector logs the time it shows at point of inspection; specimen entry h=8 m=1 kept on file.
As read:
h=5 m=26
